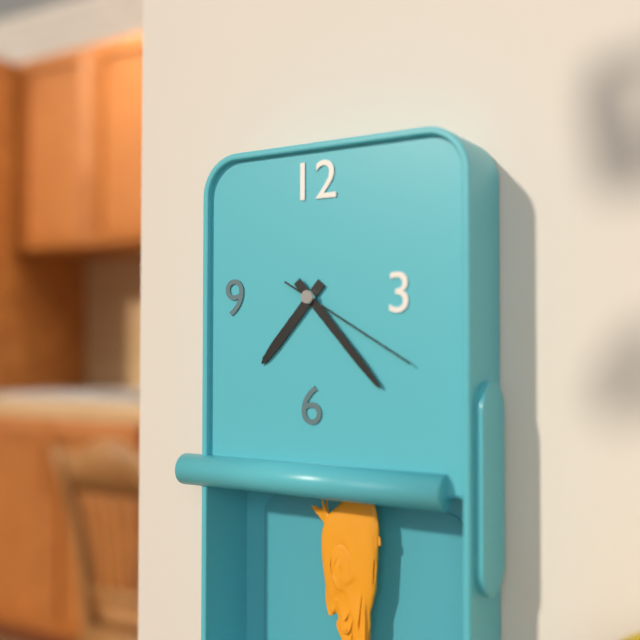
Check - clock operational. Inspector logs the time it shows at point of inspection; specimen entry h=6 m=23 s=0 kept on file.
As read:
h=7 m=23 s=20
